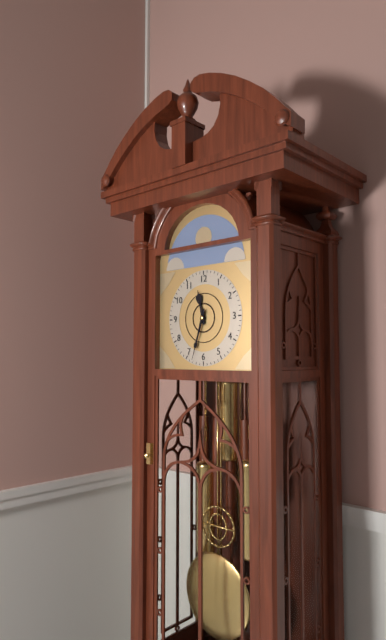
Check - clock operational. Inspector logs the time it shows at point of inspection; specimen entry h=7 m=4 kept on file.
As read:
h=11 m=33
